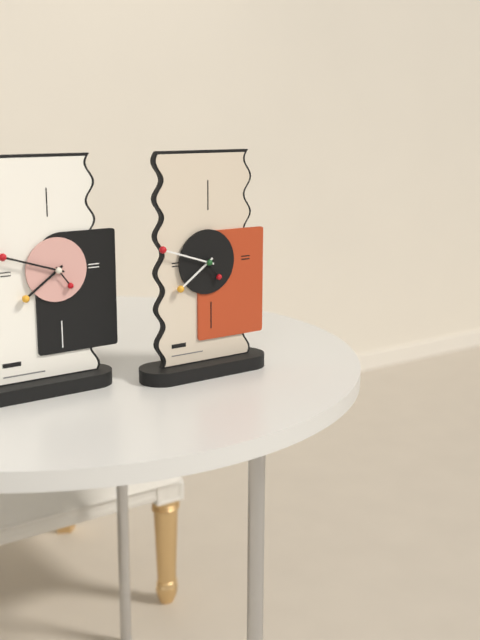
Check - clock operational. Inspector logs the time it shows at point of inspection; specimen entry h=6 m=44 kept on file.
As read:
h=7 m=48
